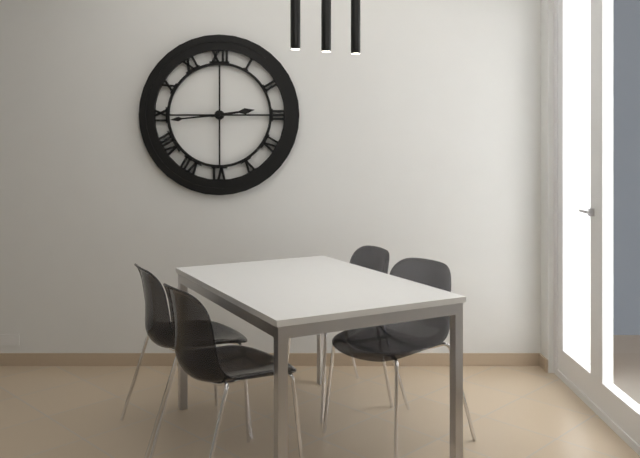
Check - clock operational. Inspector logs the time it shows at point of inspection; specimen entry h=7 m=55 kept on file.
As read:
h=2 m=44
